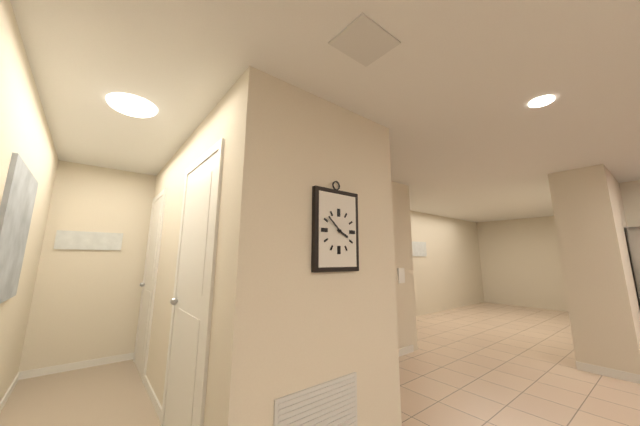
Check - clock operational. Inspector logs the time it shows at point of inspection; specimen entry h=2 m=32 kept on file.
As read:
h=3 m=52
